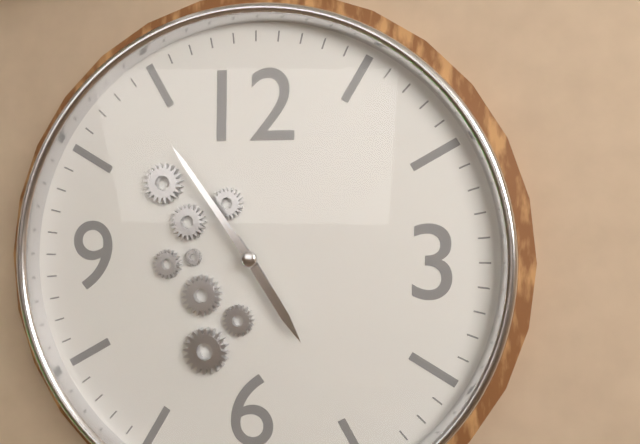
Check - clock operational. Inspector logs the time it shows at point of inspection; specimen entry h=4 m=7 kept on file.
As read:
h=4 m=54
